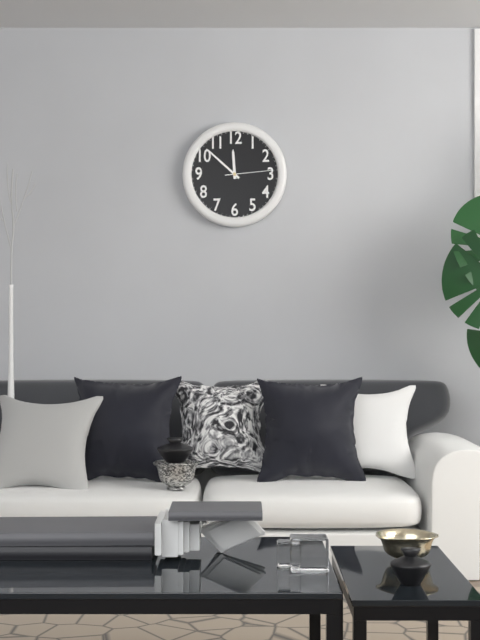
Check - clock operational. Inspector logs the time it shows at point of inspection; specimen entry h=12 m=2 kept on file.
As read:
h=11 m=52
